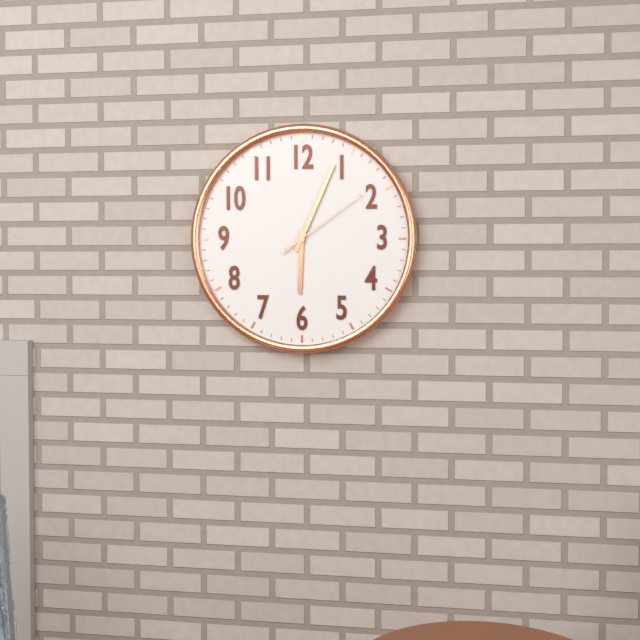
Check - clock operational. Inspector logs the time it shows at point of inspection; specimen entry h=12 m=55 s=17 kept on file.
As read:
h=6 m=4 s=9
